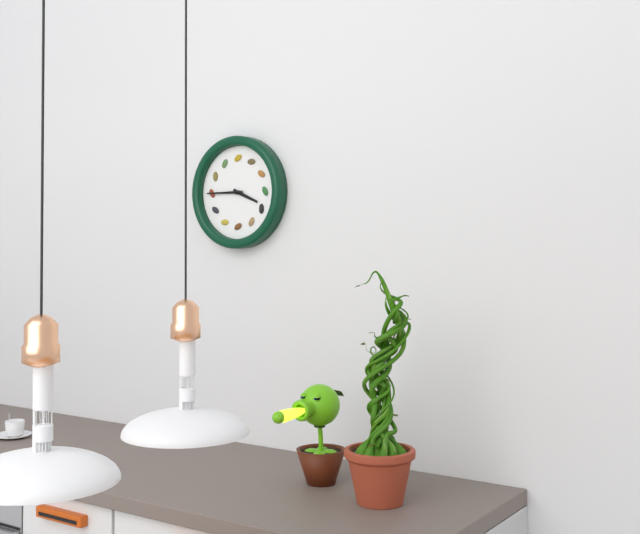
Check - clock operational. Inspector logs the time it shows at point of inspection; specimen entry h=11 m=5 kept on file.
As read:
h=3 m=45
